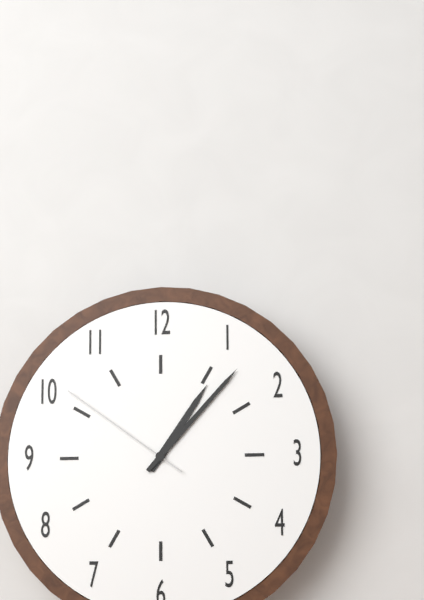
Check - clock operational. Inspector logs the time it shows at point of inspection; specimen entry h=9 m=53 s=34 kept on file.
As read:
h=1 m=7 s=51
